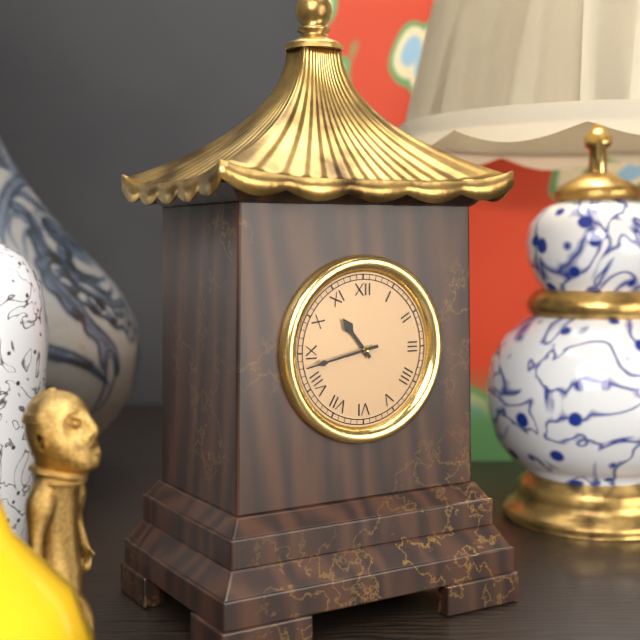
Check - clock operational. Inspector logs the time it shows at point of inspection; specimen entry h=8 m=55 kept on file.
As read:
h=10 m=43
